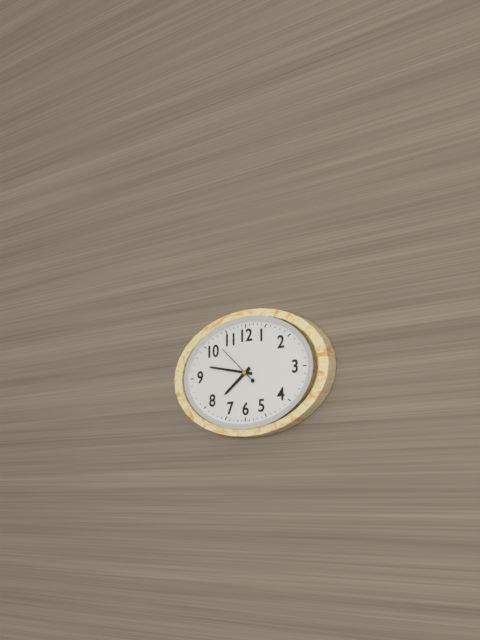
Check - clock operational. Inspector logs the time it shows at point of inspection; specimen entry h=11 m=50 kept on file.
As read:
h=7 m=47
